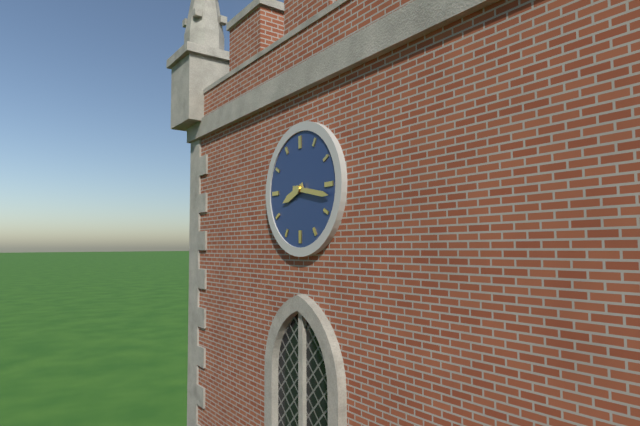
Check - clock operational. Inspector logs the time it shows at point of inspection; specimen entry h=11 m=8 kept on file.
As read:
h=8 m=17
